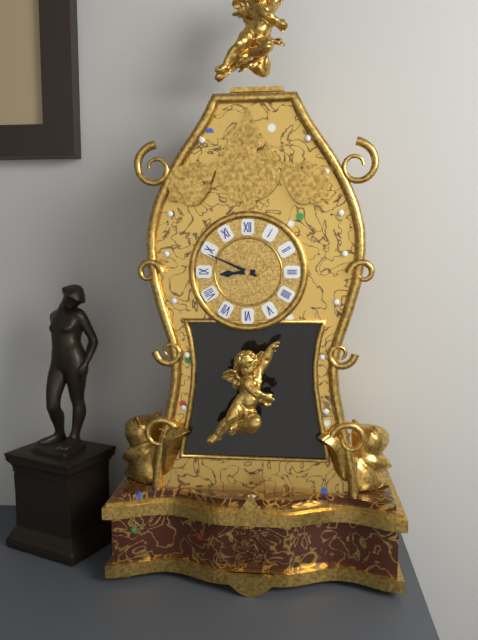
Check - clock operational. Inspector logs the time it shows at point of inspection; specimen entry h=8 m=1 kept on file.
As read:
h=8 m=49
